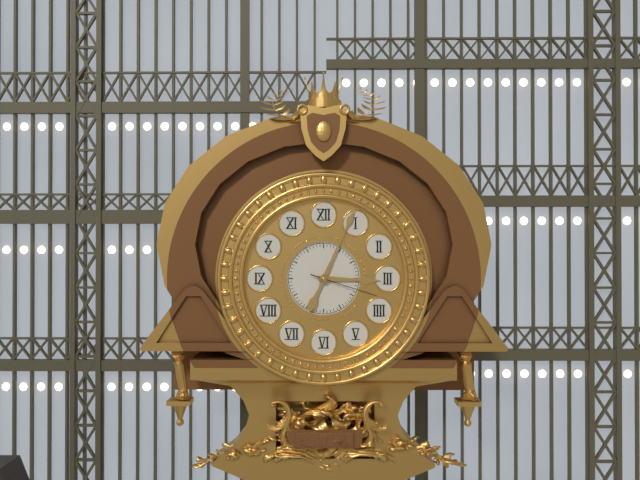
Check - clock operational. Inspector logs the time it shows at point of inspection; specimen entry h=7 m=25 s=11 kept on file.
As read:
h=3 m=4 s=18
